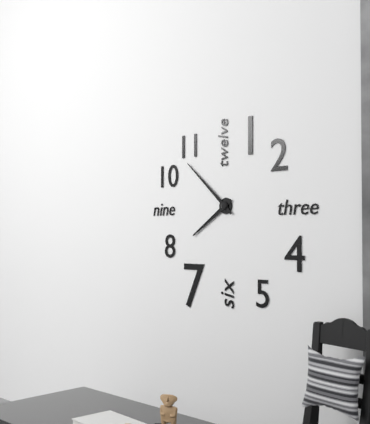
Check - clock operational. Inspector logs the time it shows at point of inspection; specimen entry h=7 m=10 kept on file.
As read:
h=7 m=52
